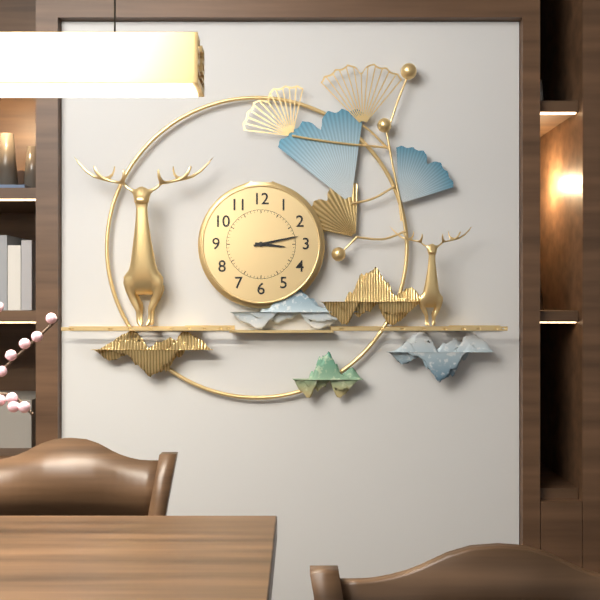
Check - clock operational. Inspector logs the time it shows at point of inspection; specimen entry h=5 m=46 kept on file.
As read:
h=3 m=13
